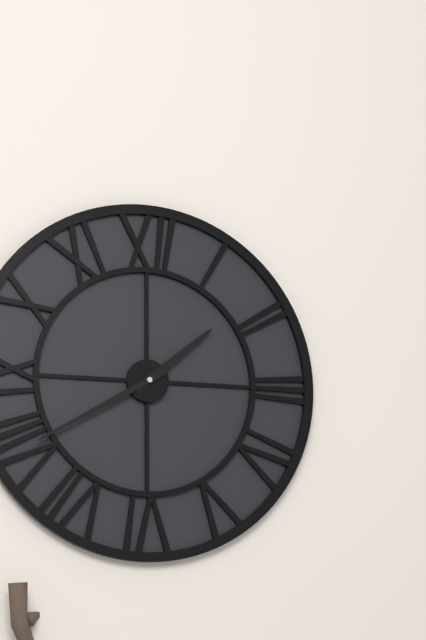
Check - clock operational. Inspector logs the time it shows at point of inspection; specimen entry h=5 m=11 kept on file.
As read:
h=1 m=40
